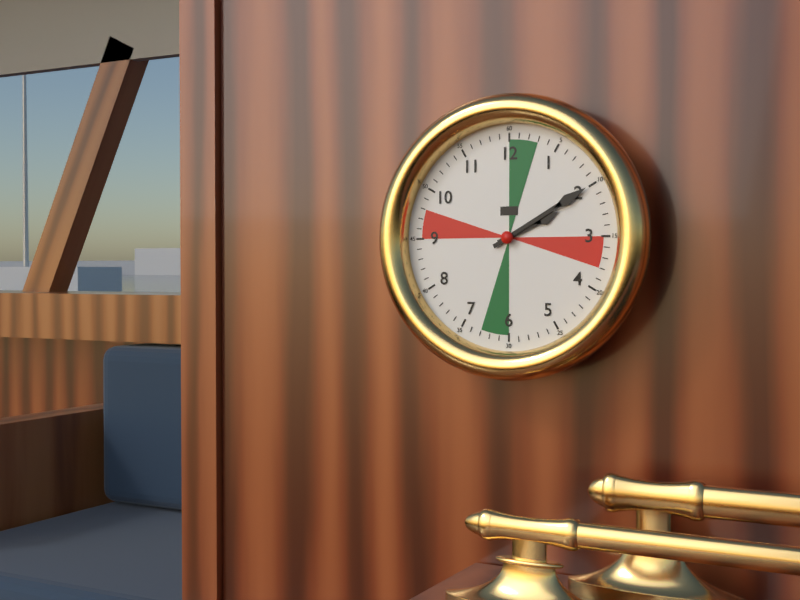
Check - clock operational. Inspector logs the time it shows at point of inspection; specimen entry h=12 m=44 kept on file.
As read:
h=2 m=10
